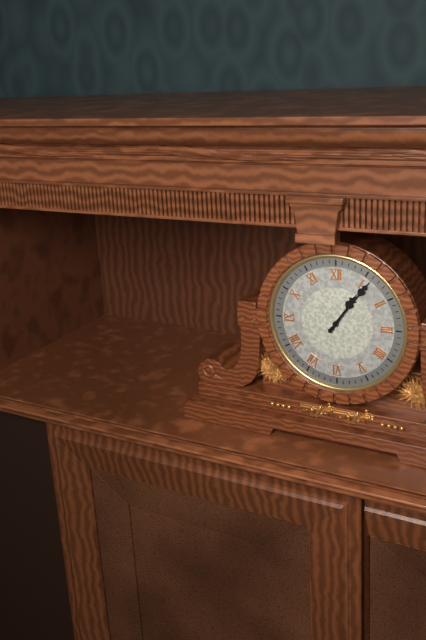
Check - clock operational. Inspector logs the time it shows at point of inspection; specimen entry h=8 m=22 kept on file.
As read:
h=1 m=6
